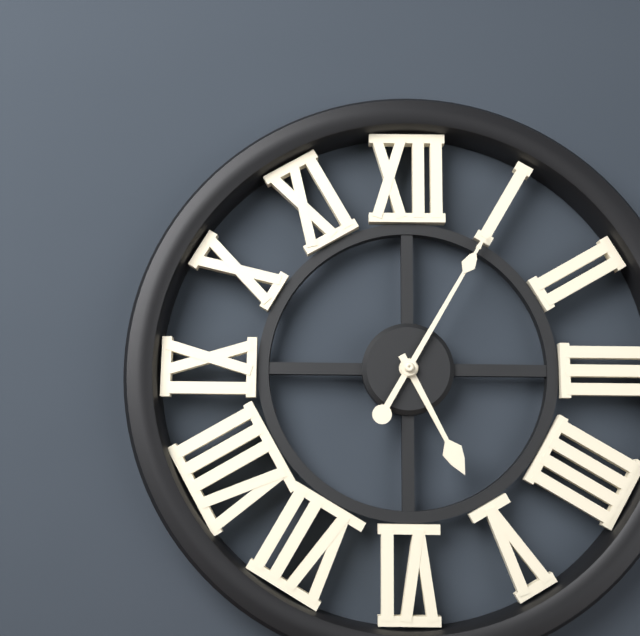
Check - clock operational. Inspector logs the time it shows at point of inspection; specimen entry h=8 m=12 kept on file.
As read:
h=5 m=5
